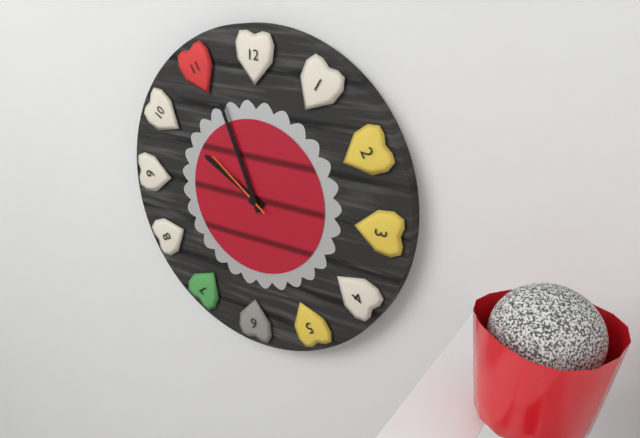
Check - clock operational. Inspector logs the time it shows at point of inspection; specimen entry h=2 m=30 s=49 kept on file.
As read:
h=9 m=56 s=51
